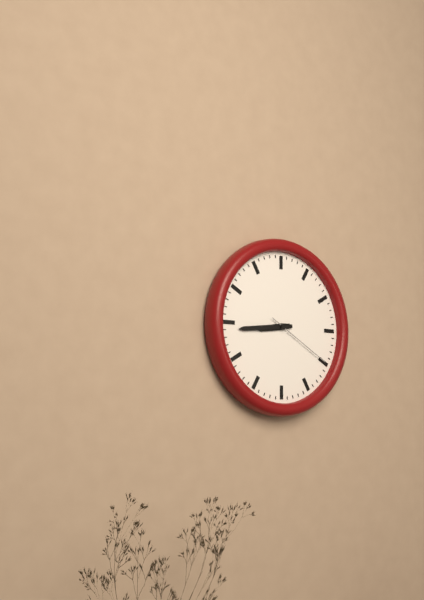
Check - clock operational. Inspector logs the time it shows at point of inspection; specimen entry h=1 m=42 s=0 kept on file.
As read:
h=8 m=44 s=20
